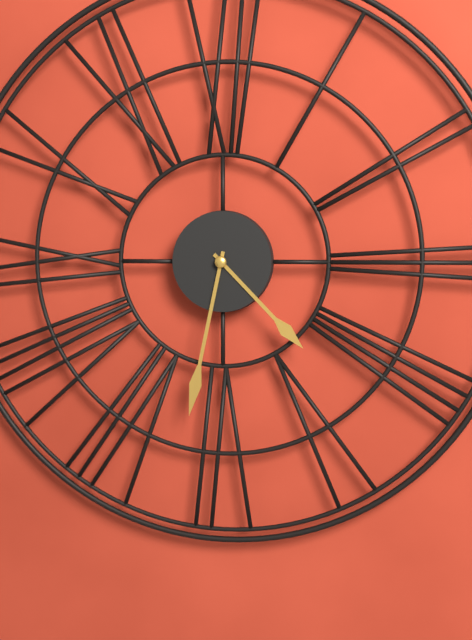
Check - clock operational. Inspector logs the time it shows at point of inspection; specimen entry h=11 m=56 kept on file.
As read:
h=4 m=32
